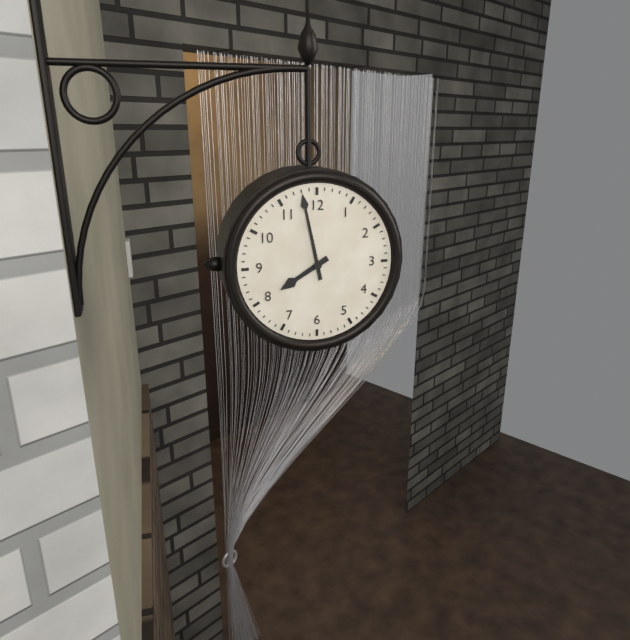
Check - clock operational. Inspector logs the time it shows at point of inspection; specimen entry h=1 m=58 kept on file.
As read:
h=7 m=58
